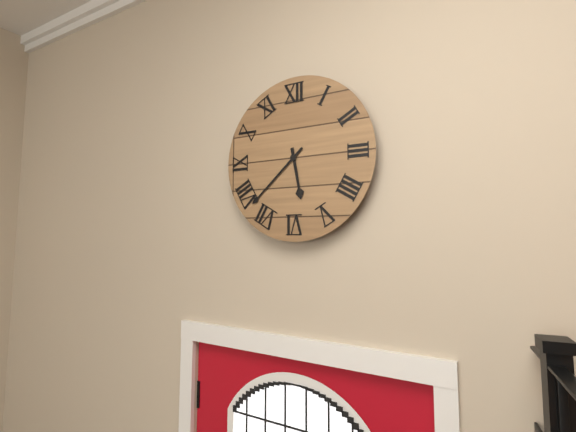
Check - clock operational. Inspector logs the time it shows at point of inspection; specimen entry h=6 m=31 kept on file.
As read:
h=5 m=38
